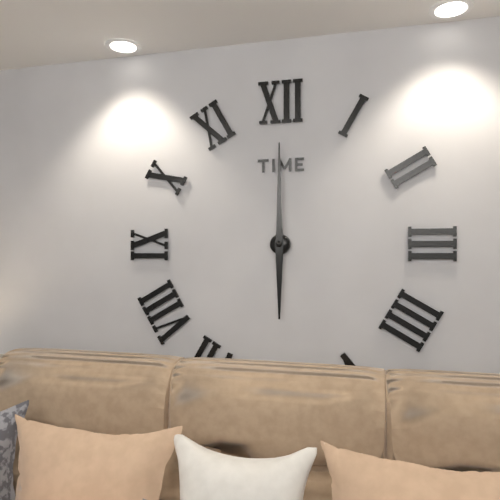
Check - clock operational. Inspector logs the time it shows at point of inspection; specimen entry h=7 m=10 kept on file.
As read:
h=6 m=0
